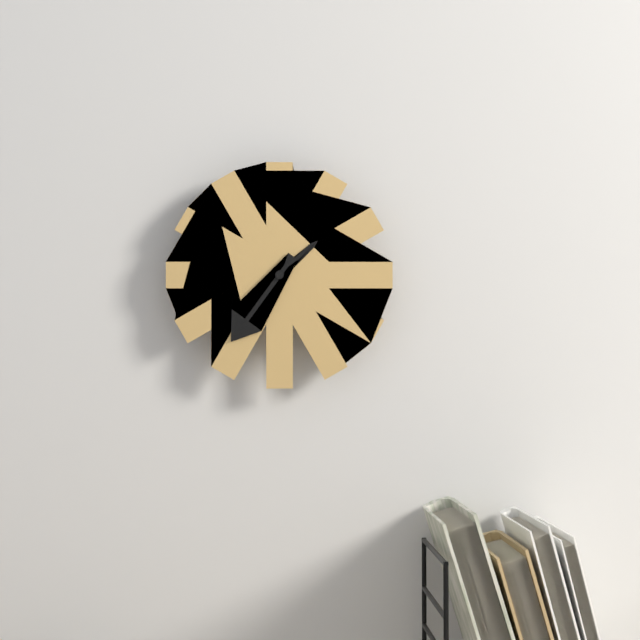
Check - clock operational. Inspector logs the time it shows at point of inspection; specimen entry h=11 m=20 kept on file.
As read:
h=1 m=36
